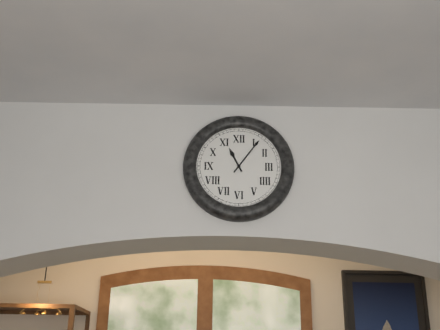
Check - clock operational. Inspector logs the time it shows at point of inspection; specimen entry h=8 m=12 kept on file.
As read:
h=11 m=6
